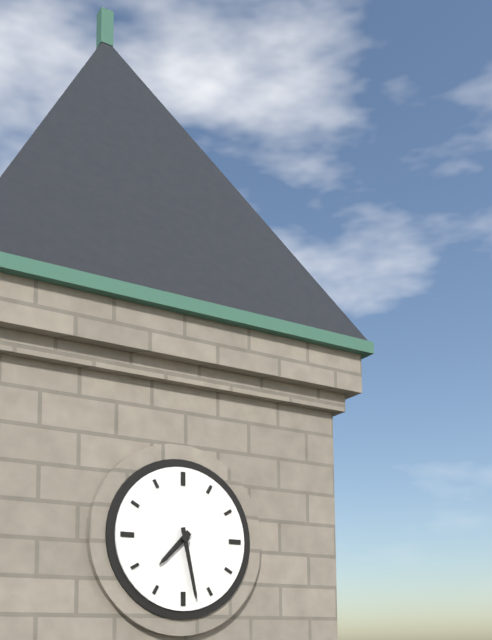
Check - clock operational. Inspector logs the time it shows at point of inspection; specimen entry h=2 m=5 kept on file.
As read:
h=7 m=28
